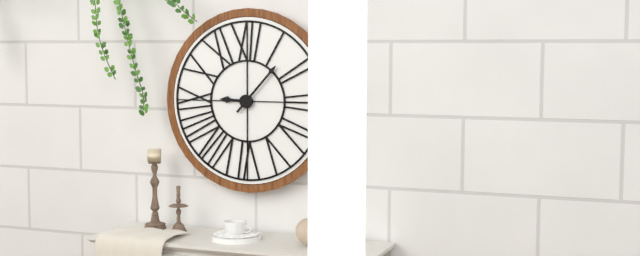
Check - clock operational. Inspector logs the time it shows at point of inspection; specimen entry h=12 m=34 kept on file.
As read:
h=9 m=7
